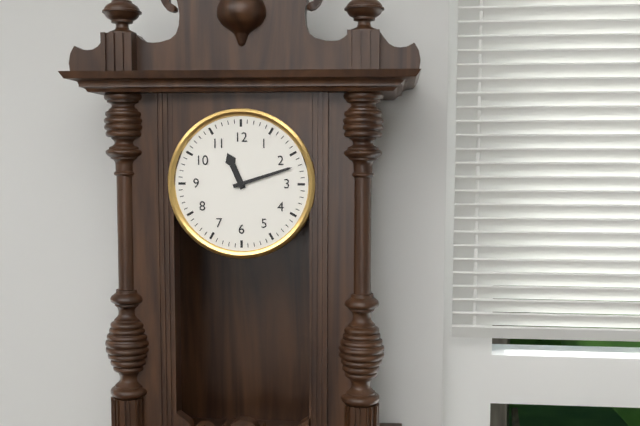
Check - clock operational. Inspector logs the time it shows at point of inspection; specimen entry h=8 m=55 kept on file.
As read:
h=11 m=12
